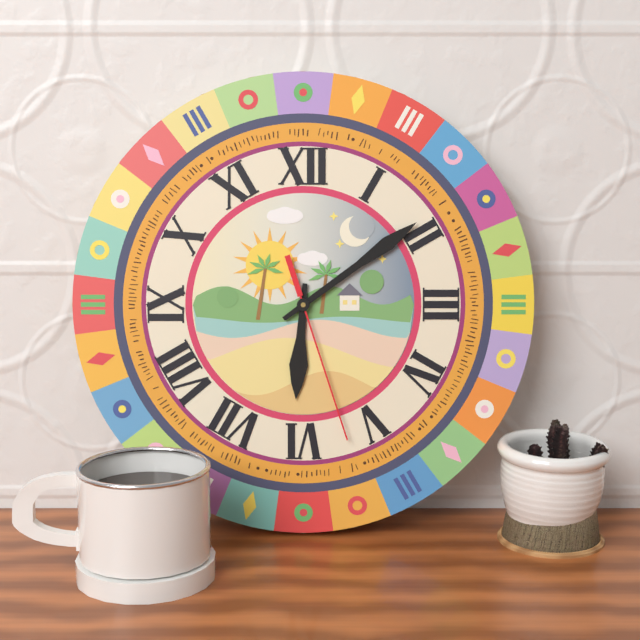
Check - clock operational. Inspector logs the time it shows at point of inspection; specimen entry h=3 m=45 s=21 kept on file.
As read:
h=6 m=9 s=27
